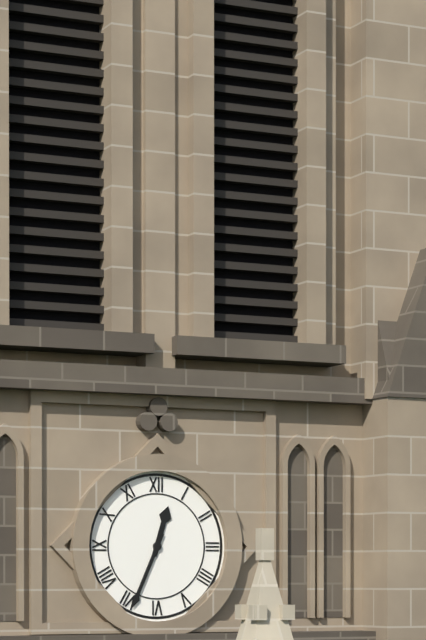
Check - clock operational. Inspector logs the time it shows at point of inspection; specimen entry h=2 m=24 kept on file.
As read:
h=12 m=34
